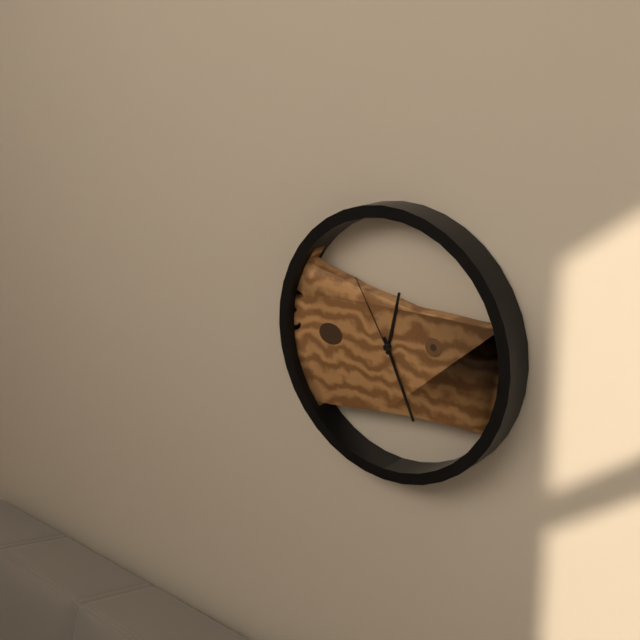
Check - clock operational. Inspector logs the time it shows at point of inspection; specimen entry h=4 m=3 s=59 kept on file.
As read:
h=12 m=26 s=55
